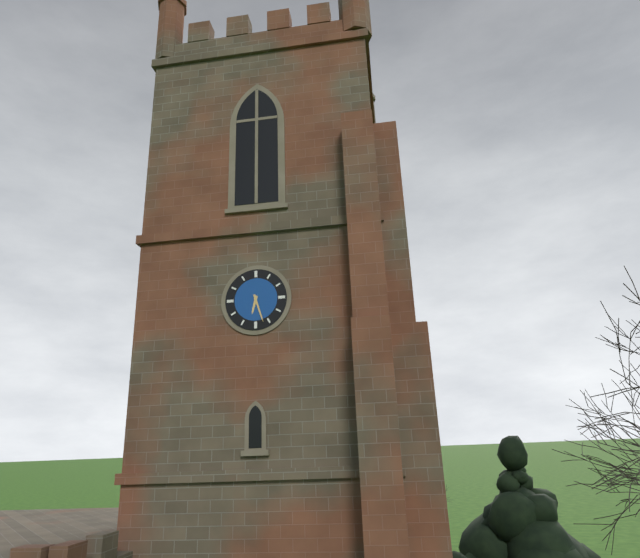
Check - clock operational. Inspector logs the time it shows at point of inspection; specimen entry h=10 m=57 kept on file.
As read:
h=6 m=27
